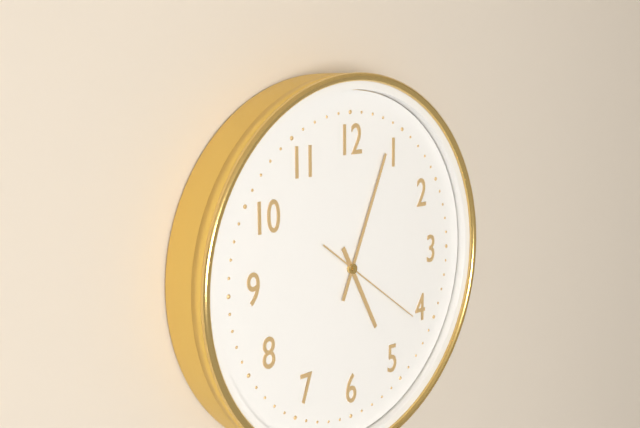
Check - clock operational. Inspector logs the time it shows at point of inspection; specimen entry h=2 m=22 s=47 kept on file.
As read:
h=5 m=4 s=21
